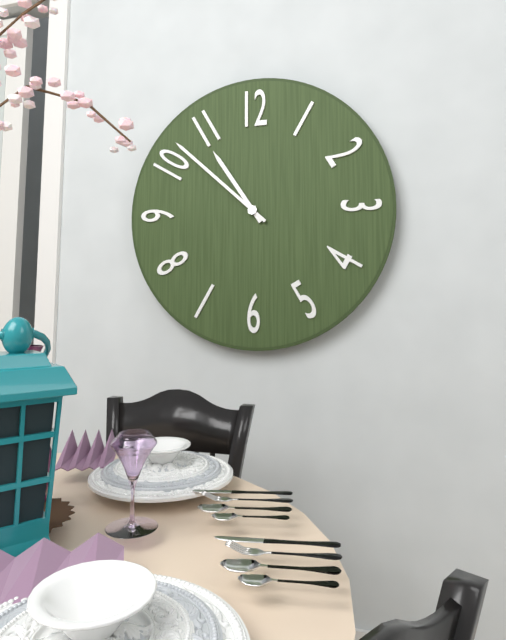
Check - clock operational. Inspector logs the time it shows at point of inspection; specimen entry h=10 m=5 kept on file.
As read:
h=10 m=52
